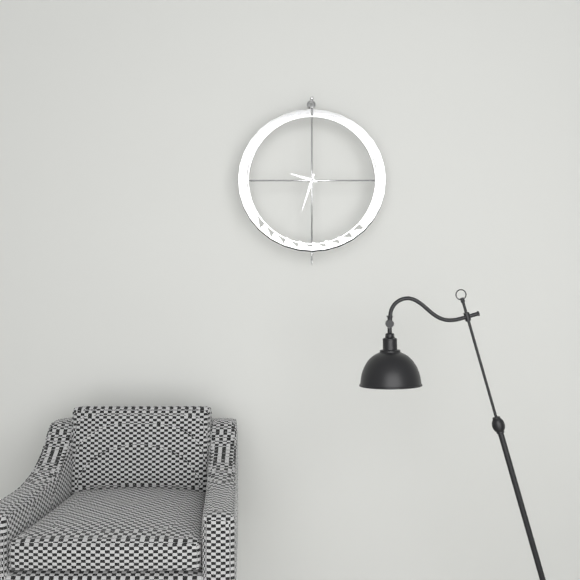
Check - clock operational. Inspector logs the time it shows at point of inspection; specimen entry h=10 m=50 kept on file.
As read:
h=9 m=33
